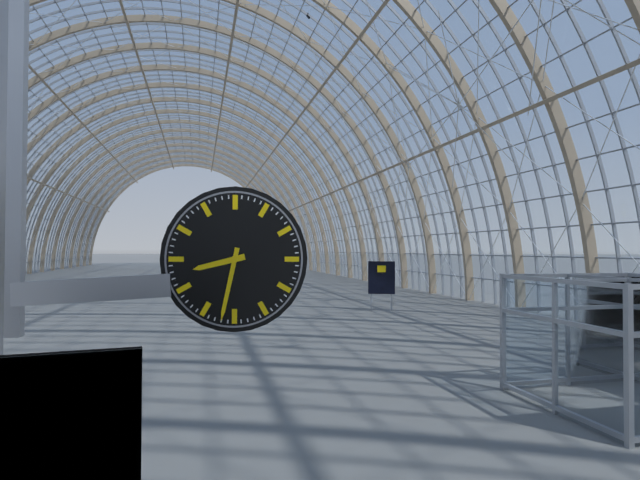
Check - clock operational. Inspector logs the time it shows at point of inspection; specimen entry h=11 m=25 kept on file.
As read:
h=8 m=32
